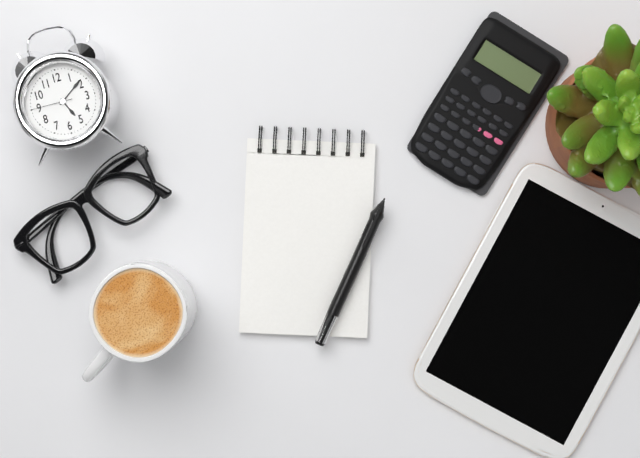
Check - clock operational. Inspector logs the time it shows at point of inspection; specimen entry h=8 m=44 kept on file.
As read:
h=5 m=9
